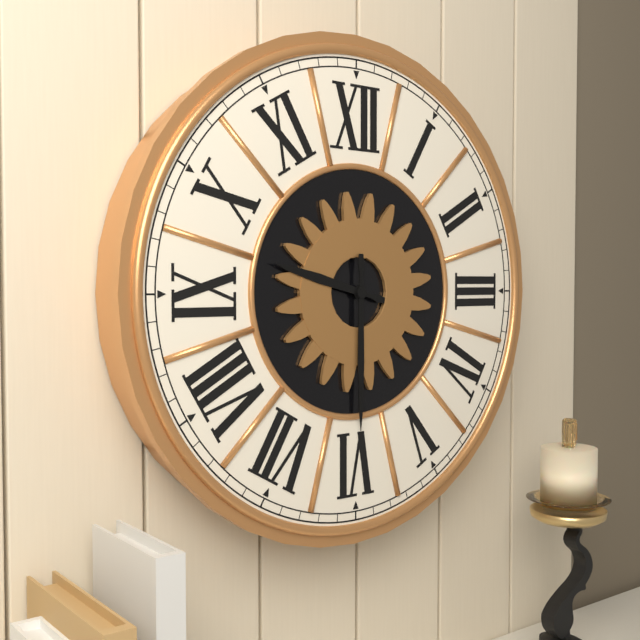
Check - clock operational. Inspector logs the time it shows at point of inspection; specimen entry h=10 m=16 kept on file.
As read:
h=9 m=30
